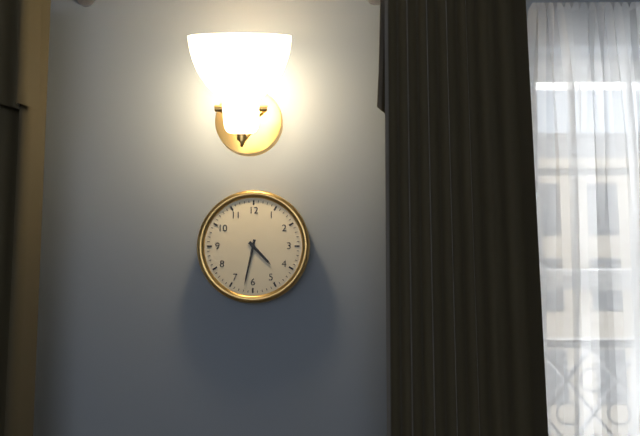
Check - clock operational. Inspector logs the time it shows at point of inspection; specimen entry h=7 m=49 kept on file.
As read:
h=4 m=32
